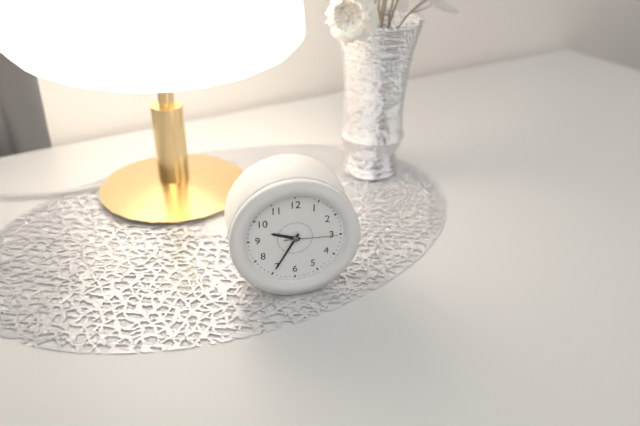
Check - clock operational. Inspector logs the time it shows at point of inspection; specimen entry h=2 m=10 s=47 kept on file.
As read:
h=9 m=35 s=15
